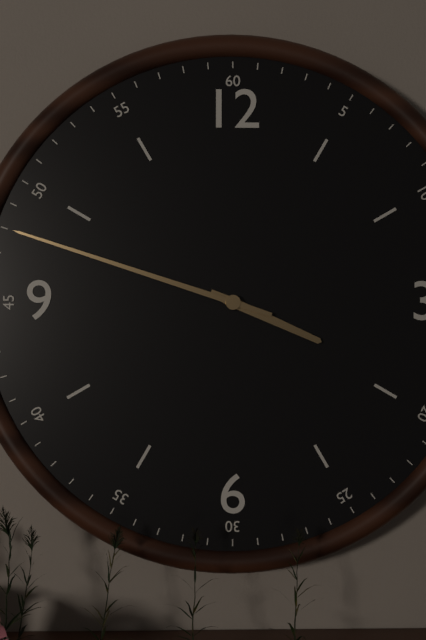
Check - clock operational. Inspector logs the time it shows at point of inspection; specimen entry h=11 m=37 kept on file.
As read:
h=3 m=48
